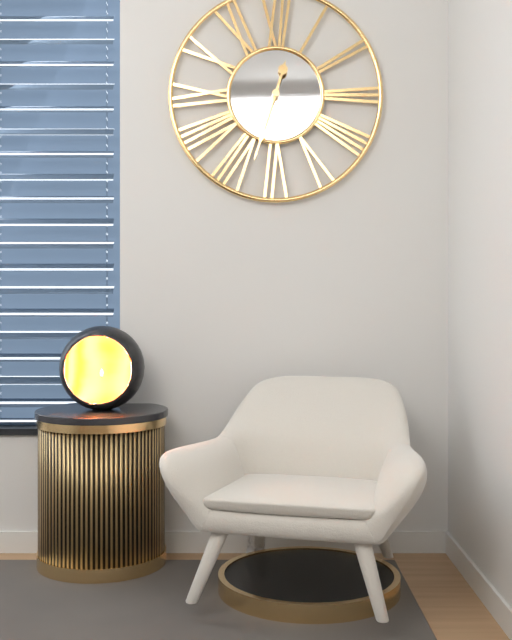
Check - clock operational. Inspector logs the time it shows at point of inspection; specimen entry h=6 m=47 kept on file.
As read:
h=12 m=33
